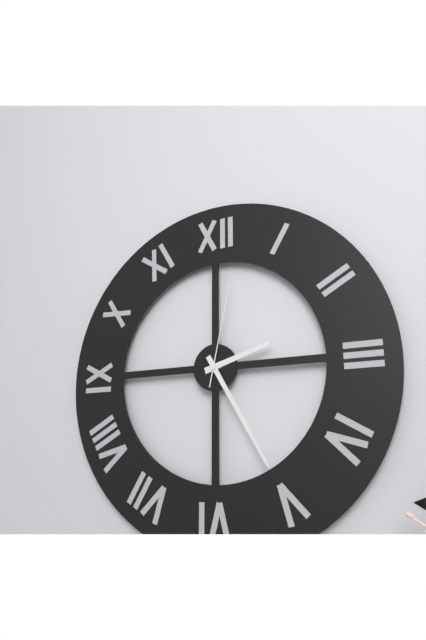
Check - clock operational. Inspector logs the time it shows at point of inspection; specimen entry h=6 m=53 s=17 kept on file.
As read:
h=2 m=25 s=2
